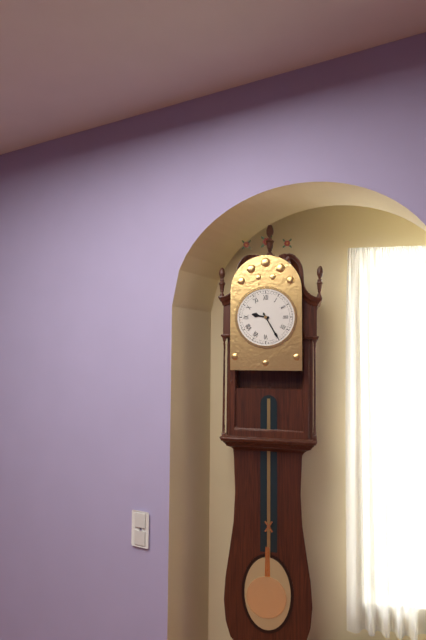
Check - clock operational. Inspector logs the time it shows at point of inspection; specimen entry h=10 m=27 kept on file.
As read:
h=9 m=25
